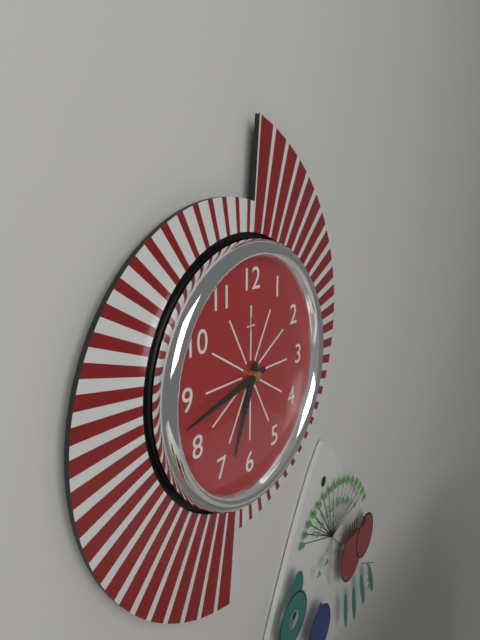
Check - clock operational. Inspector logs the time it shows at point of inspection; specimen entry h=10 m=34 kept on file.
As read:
h=6 m=43
